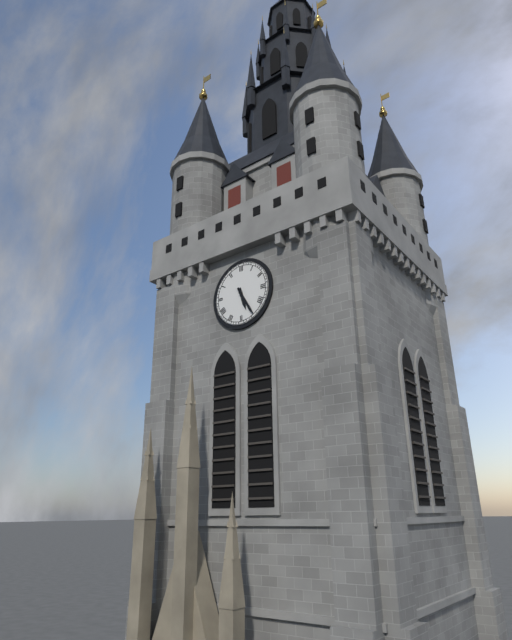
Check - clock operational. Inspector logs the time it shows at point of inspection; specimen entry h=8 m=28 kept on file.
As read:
h=5 m=25
